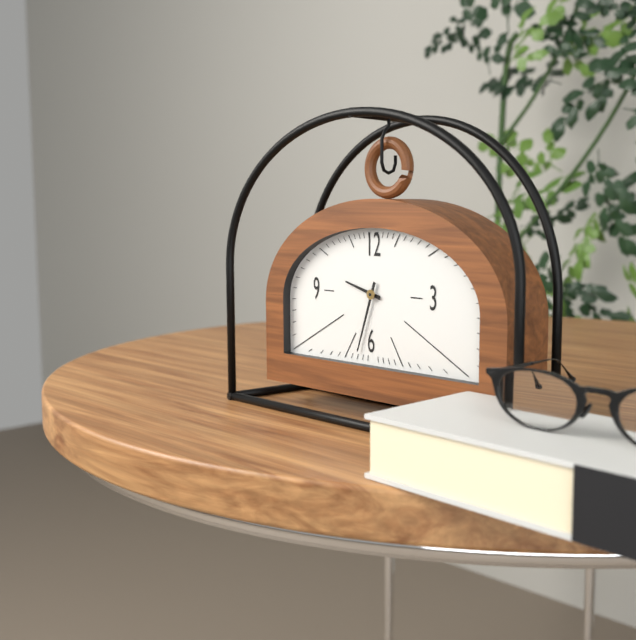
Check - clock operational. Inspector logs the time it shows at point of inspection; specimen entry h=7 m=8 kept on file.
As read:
h=9 m=33
